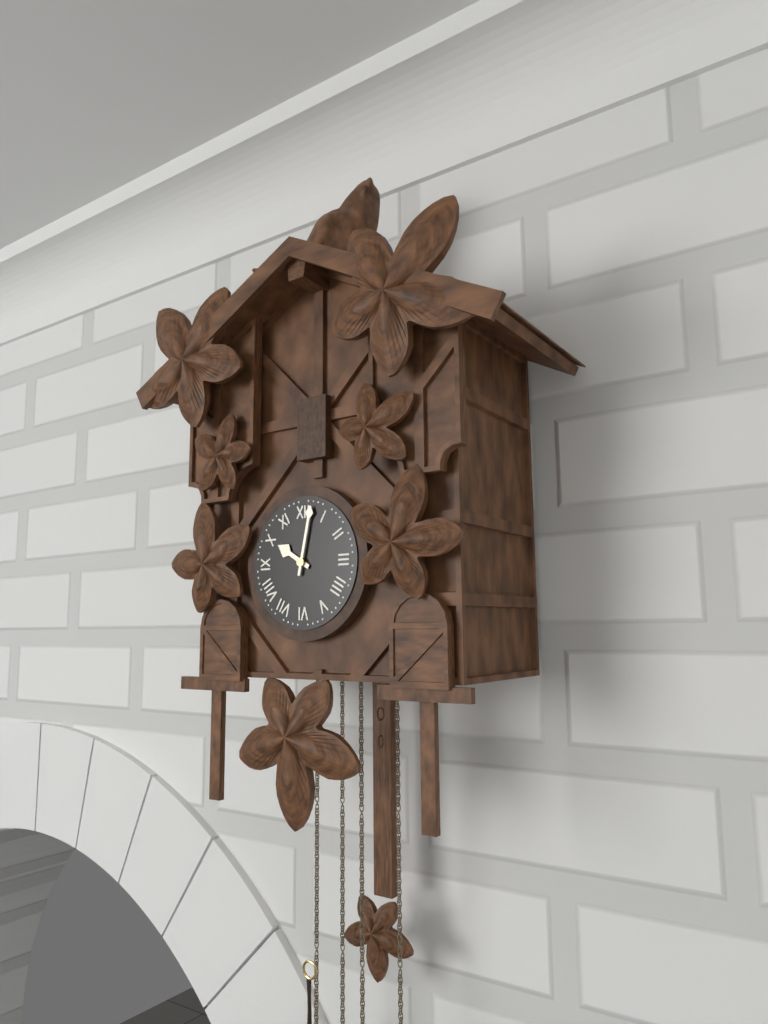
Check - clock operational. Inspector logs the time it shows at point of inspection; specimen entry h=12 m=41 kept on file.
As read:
h=10 m=2
